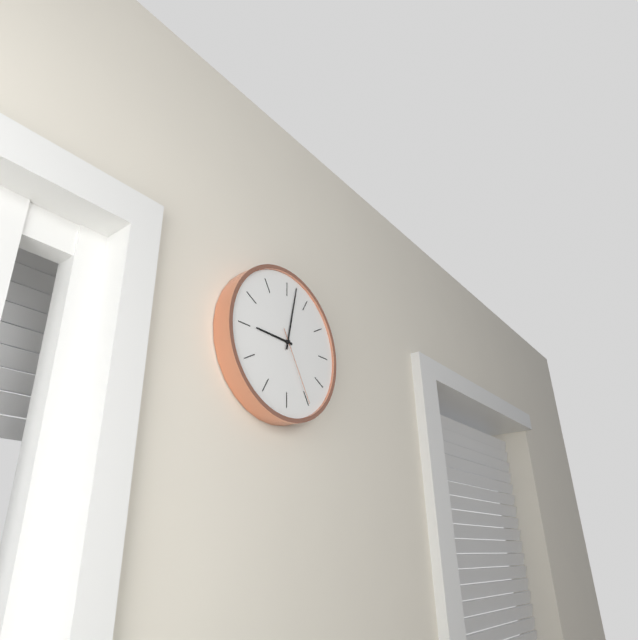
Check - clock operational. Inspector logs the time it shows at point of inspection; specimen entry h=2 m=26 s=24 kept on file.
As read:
h=9 m=2 s=25
